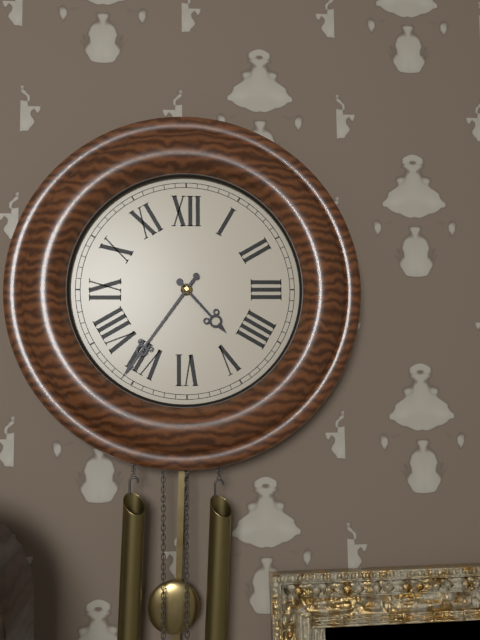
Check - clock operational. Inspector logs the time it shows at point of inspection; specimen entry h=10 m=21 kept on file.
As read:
h=4 m=36
